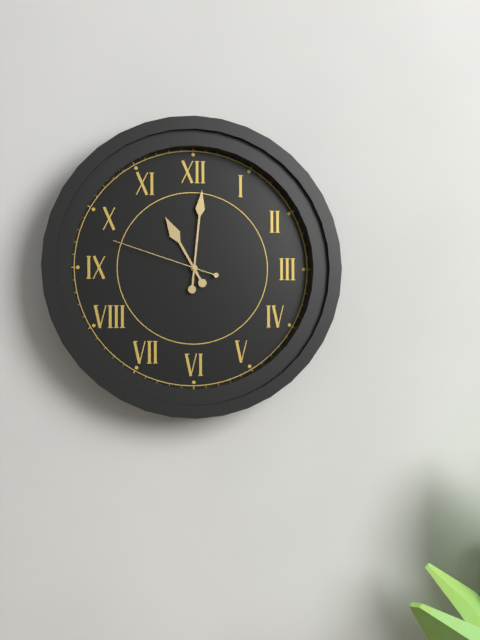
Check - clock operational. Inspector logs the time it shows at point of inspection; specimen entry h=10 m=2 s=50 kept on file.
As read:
h=11 m=1 s=48
